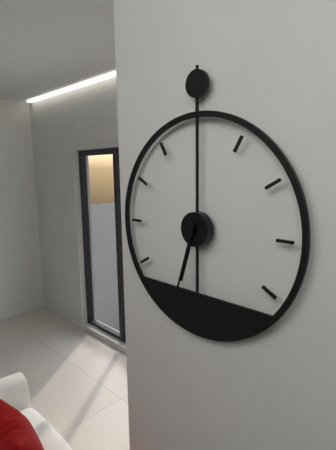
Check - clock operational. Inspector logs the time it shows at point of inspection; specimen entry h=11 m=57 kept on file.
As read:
h=6 m=33
